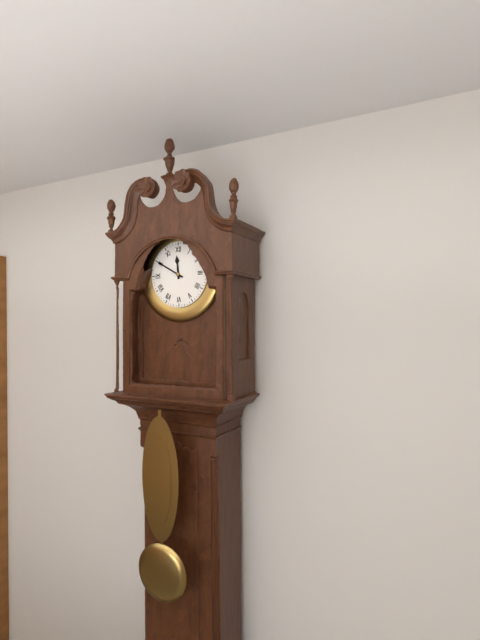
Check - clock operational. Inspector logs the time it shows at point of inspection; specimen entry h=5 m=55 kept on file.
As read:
h=11 m=50
